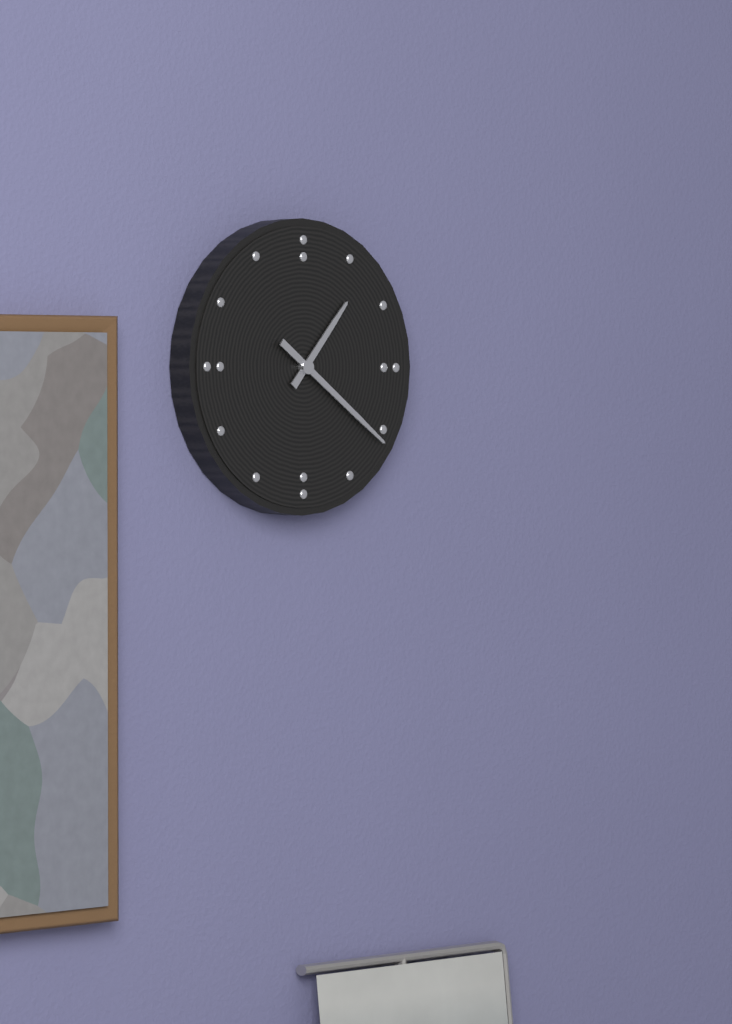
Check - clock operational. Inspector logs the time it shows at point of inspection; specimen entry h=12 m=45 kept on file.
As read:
h=1 m=21
